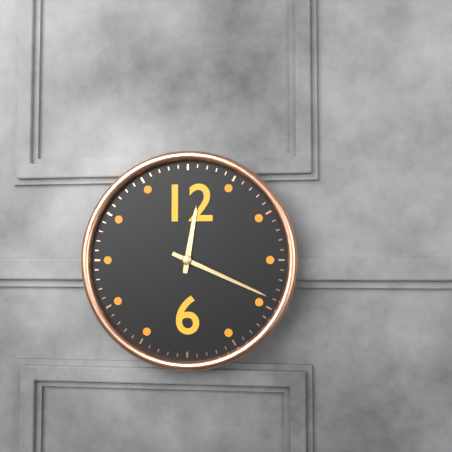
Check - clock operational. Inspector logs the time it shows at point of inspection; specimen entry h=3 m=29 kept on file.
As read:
h=12 m=19
